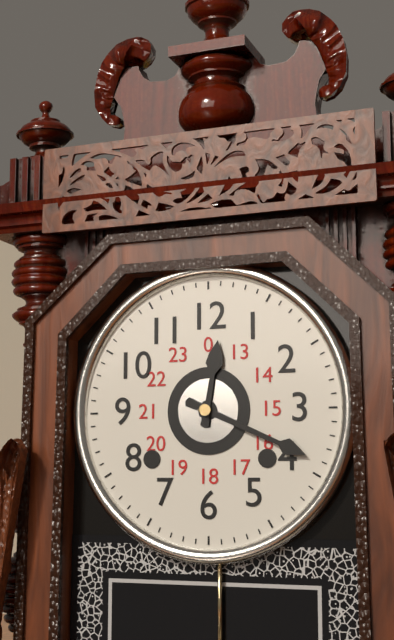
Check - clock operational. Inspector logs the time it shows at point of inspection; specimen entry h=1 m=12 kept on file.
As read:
h=12 m=19
